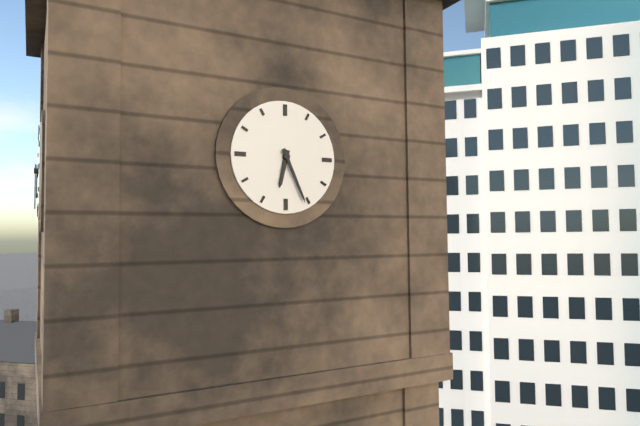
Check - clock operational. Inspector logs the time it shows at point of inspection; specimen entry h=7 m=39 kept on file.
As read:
h=6 m=26
